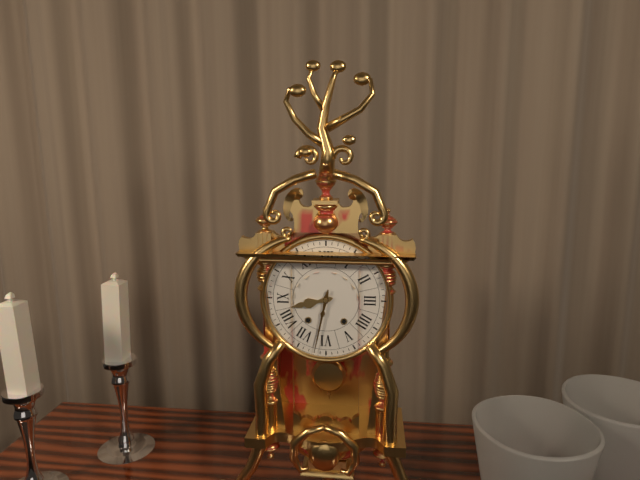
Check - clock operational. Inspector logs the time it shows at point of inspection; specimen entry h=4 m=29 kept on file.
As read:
h=8 m=32
